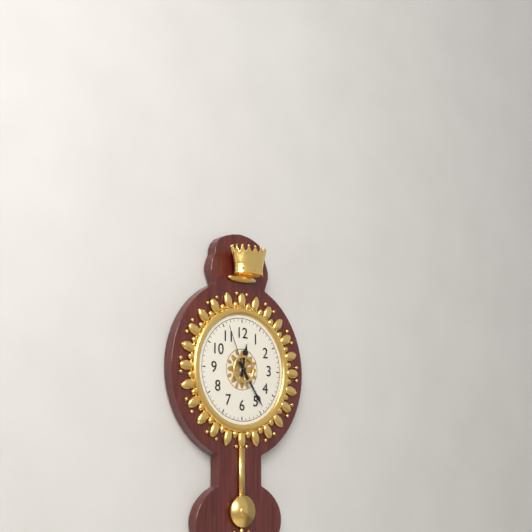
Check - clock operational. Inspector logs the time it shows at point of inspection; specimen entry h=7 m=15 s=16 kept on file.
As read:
h=12 m=24 s=56
